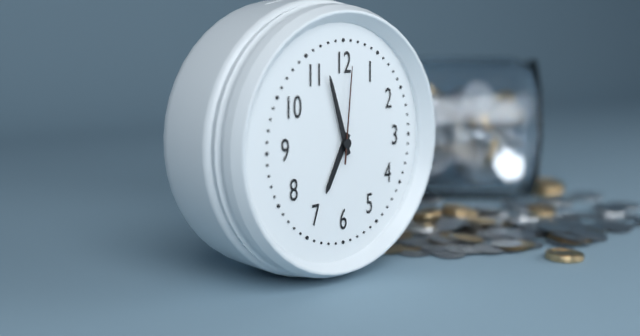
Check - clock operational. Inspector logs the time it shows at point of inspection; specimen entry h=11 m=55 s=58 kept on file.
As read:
h=6 m=57 s=1
